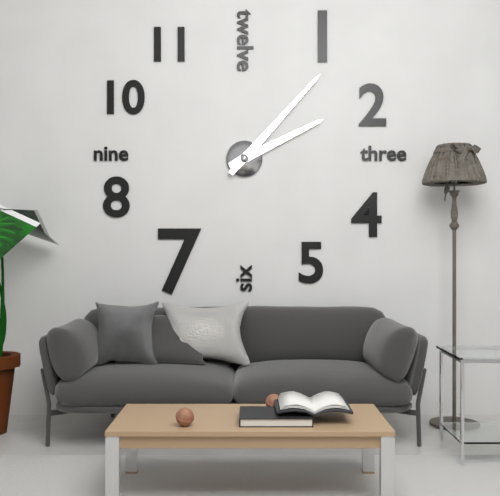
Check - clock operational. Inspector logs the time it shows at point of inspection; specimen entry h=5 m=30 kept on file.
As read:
h=2 m=7
